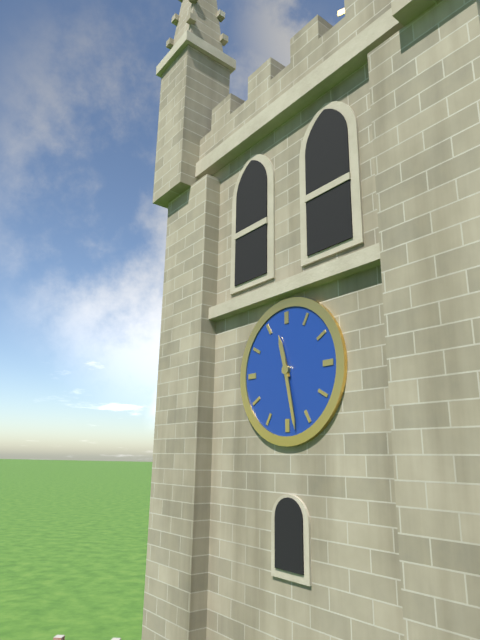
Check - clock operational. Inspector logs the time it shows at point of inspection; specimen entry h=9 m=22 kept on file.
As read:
h=11 m=28
